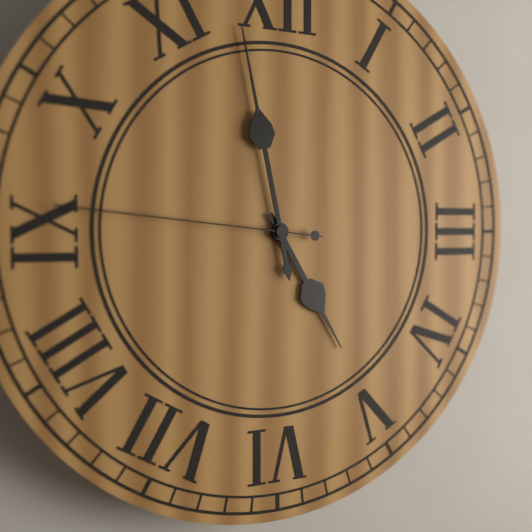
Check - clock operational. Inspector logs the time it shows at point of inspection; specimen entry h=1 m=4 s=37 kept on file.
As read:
h=4 m=58 s=46
